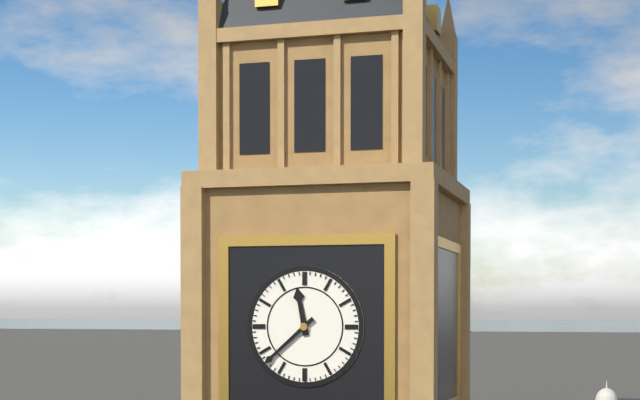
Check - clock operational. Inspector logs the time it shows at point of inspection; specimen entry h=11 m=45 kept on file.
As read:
h=11 m=38
